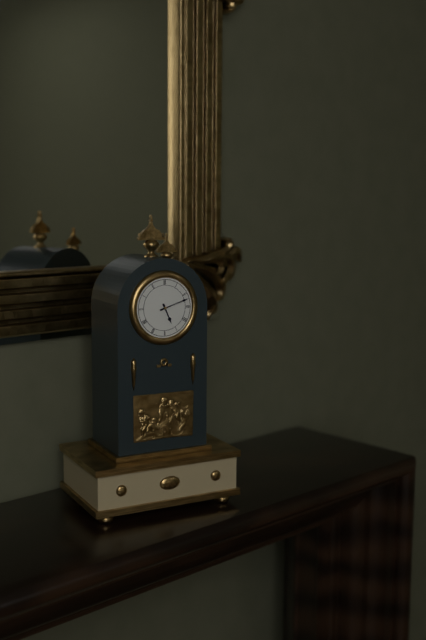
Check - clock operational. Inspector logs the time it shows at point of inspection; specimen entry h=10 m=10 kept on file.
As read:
h=5 m=12
